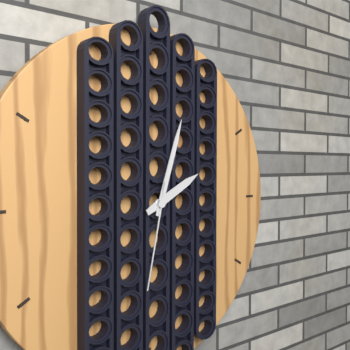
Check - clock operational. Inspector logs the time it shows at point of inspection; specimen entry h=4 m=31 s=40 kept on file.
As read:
h=2 m=3 s=32
